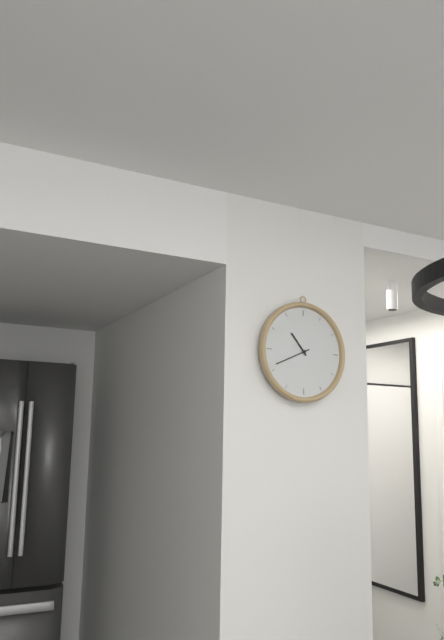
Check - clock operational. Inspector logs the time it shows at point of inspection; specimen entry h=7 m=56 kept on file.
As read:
h=10 m=41
